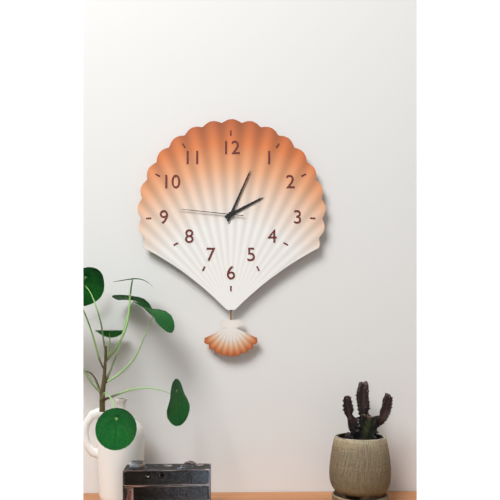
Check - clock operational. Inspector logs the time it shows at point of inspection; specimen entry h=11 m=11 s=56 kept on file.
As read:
h=2 m=4 s=46
